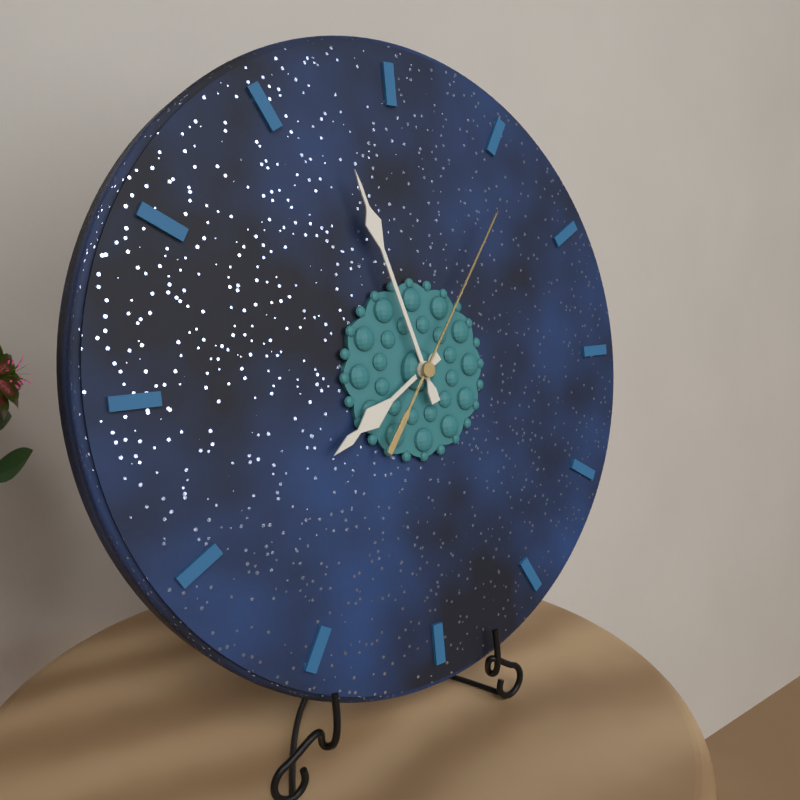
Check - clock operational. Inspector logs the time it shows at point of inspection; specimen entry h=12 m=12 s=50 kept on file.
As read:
h=7 m=57 s=6
